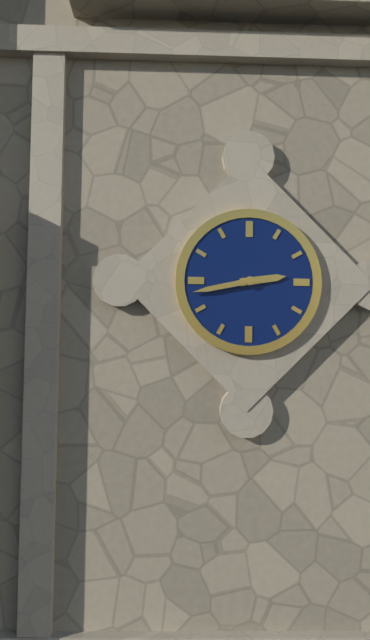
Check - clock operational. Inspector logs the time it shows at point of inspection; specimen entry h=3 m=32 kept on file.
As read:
h=2 m=43
